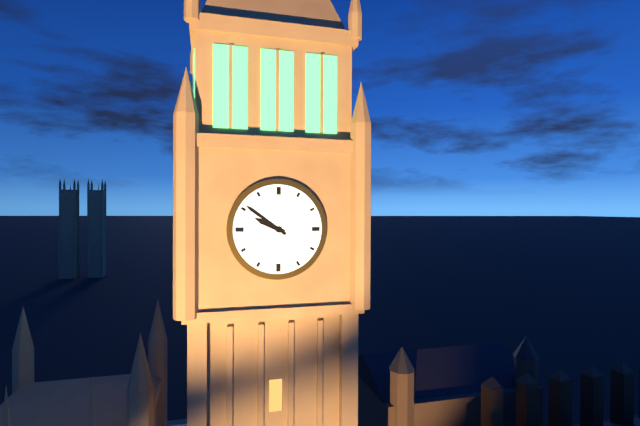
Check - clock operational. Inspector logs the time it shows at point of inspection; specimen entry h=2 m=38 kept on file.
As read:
h=9 m=51
